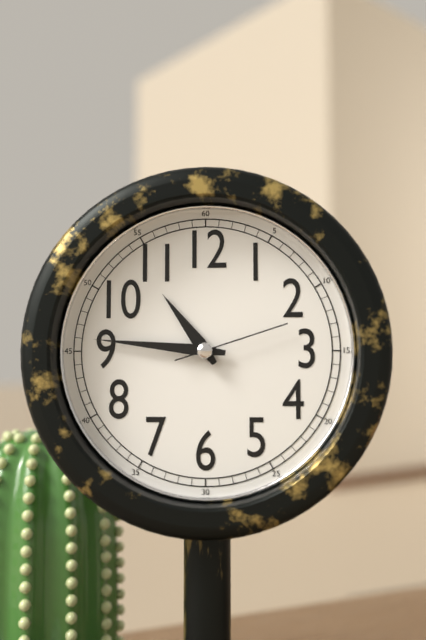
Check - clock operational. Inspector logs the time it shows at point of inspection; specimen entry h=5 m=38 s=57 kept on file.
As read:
h=10 m=46 s=12
